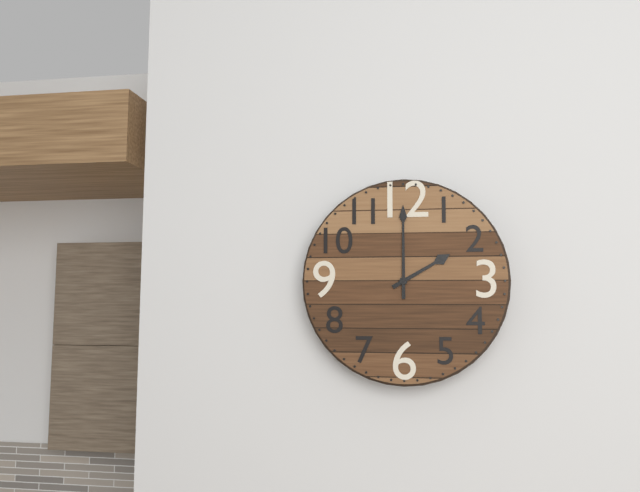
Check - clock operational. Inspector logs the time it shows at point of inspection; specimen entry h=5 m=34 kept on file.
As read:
h=2 m=0
